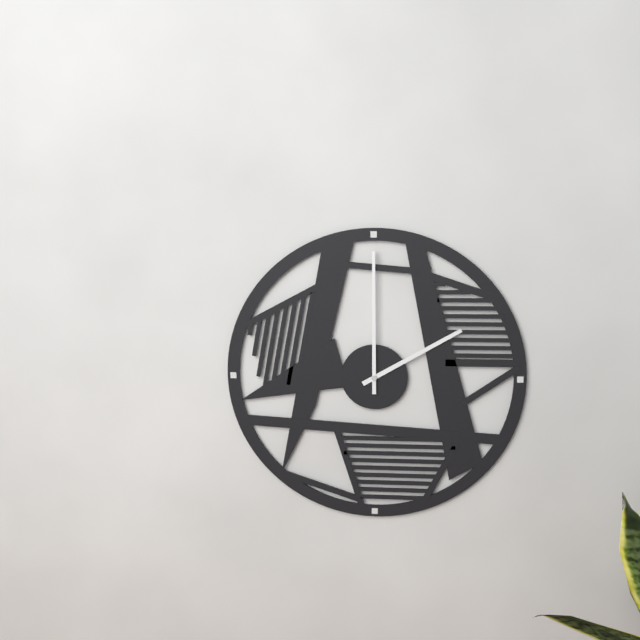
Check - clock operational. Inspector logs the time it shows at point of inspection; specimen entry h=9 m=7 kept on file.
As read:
h=2 m=0
